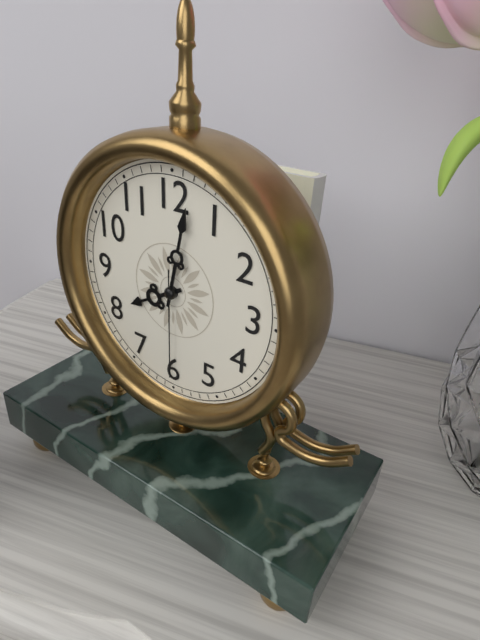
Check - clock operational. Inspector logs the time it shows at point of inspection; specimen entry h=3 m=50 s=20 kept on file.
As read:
h=8 m=2 s=30
